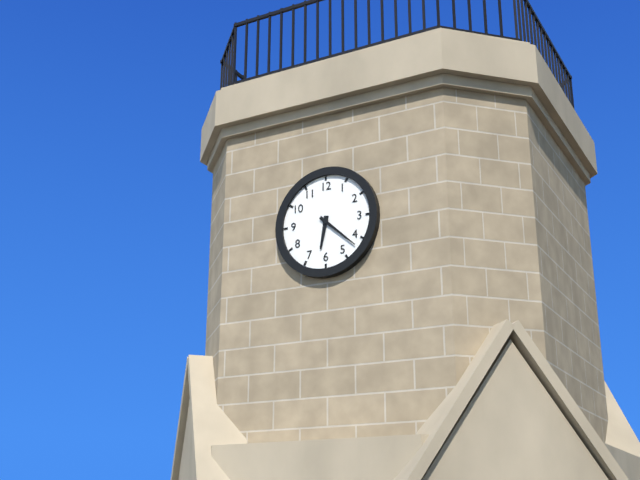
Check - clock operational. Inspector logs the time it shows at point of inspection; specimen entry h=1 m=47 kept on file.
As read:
h=6 m=22
